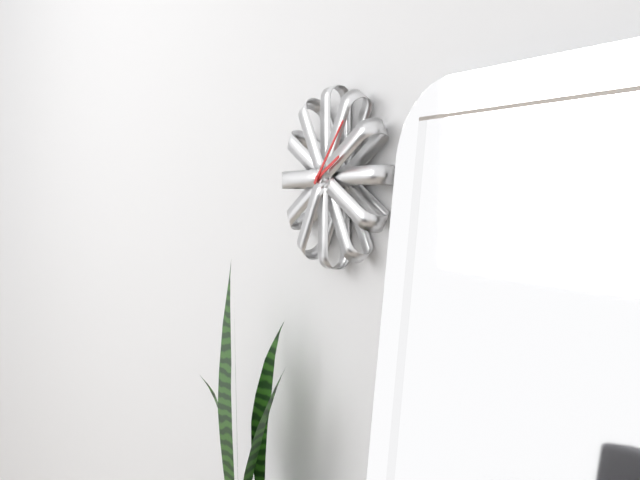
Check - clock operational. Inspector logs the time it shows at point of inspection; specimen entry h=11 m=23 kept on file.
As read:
h=2 m=7
